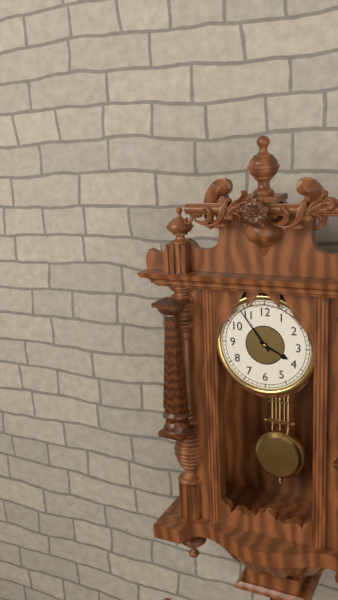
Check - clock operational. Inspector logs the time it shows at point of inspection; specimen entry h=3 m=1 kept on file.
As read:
h=3 m=54
